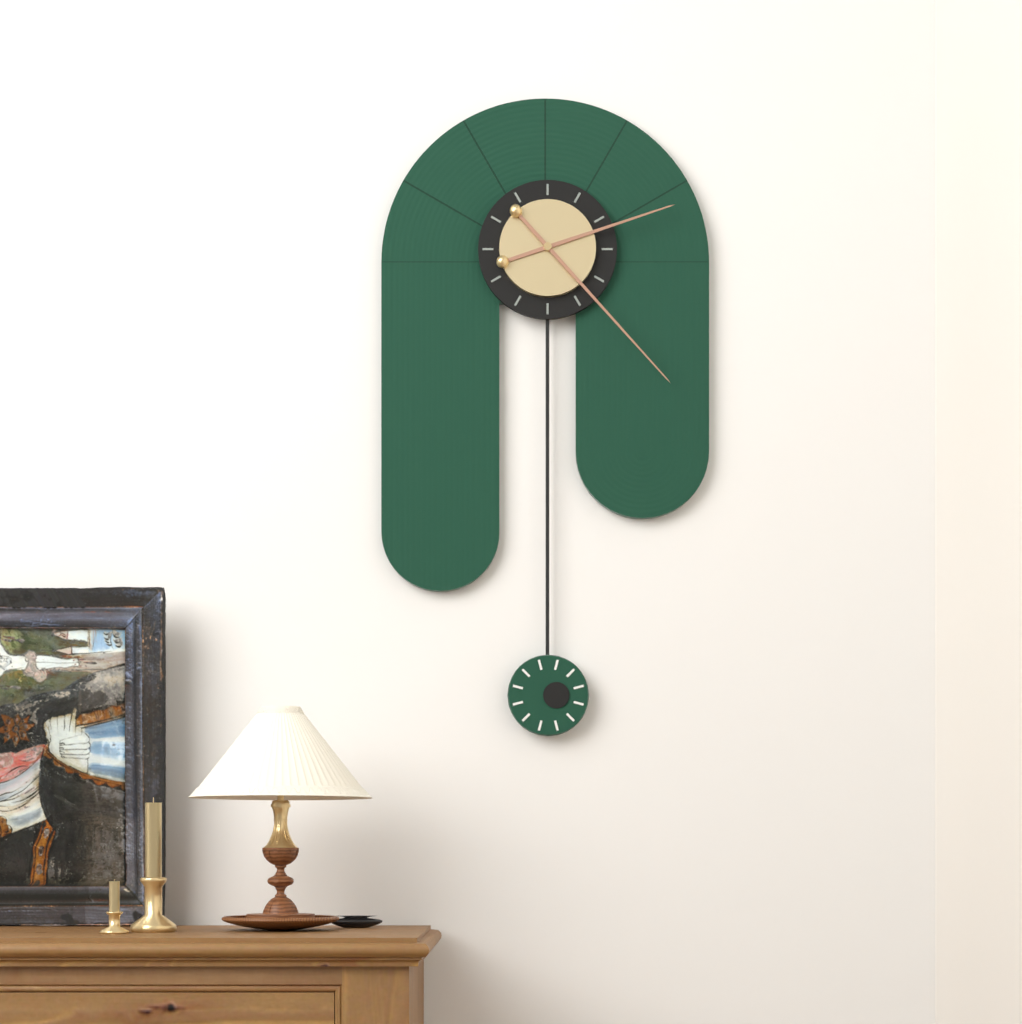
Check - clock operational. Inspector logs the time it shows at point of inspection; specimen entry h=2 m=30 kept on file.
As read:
h=2 m=23
